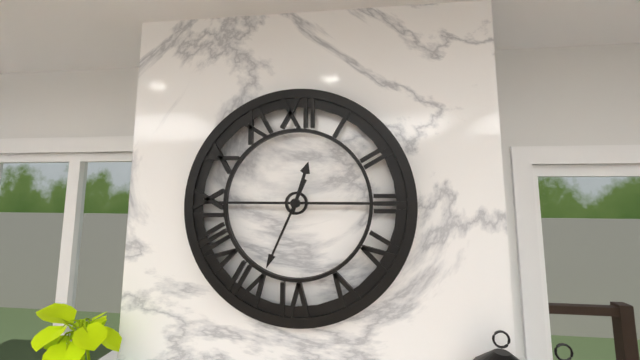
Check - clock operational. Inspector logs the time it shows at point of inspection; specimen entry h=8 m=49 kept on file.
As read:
h=12 m=34
